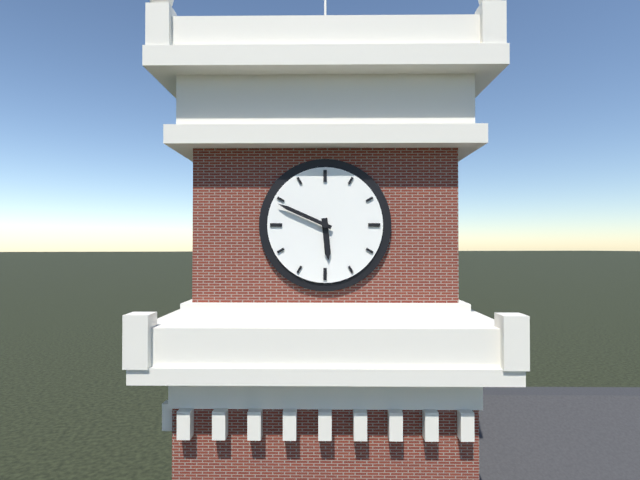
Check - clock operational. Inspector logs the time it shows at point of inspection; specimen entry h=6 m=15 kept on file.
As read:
h=5 m=49
